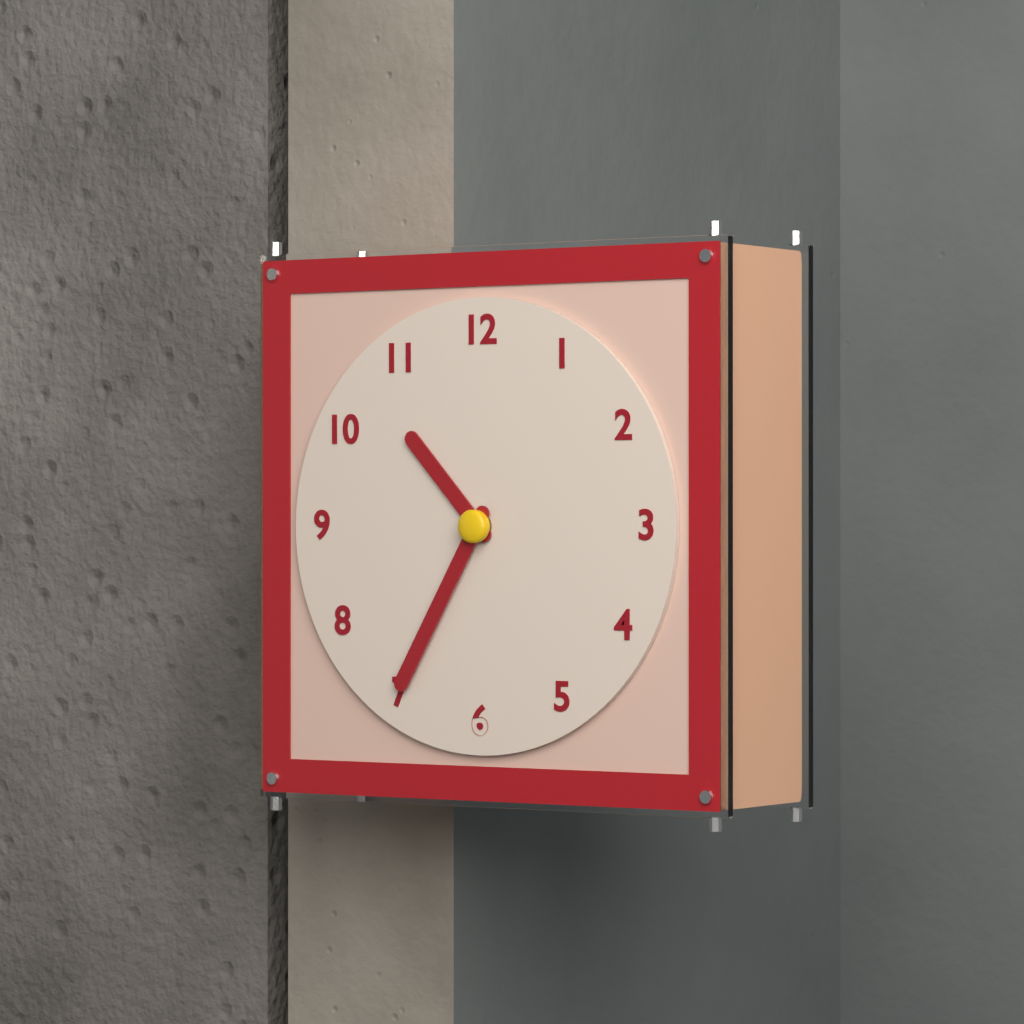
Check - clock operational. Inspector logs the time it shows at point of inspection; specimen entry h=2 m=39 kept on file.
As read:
h=10 m=35
